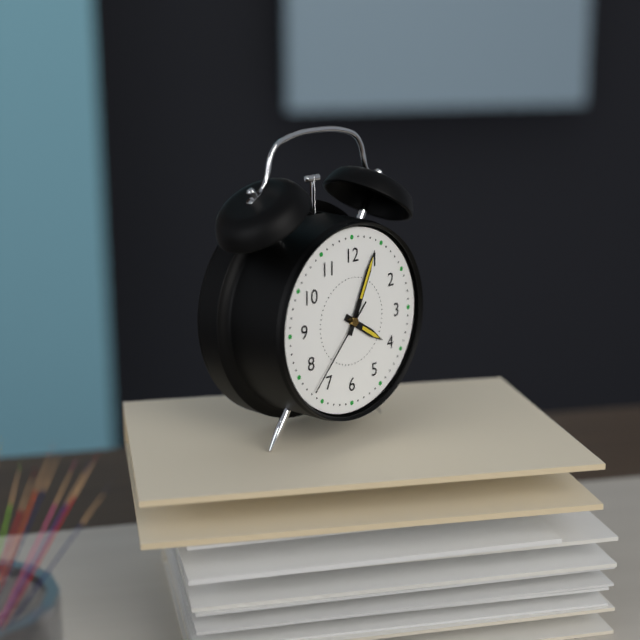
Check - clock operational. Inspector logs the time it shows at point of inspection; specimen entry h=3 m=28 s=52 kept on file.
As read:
h=4 m=4 s=37
